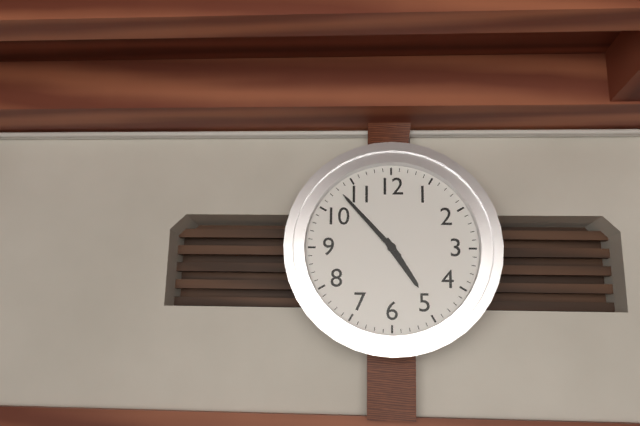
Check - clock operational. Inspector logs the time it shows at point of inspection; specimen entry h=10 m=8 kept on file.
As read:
h=4 m=53
